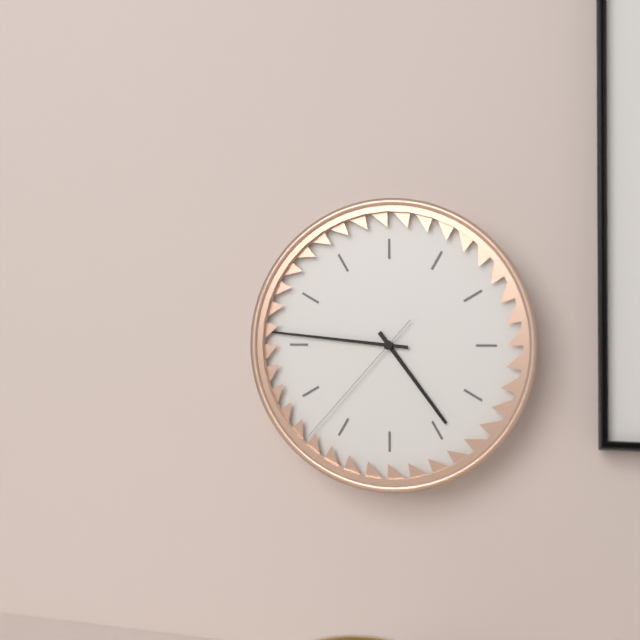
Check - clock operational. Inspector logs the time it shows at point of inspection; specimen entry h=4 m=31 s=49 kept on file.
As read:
h=4 m=46 s=37
